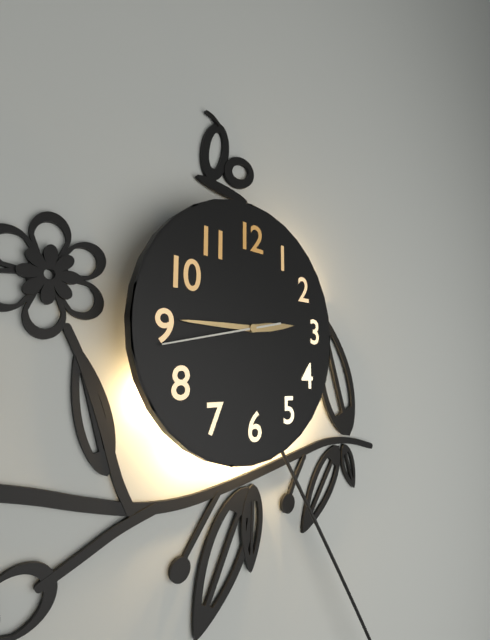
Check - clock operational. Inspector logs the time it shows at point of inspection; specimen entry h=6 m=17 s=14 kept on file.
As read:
h=2 m=45 s=43
